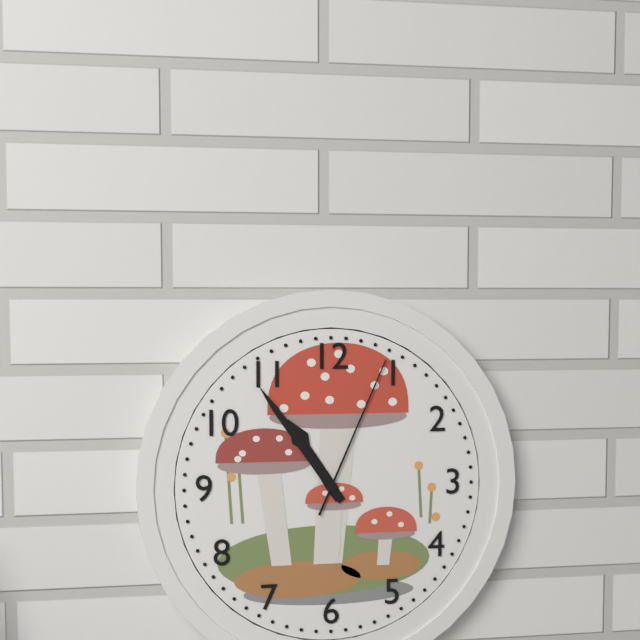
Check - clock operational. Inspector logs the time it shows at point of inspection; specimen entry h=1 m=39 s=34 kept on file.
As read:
h=10 m=54 s=4
